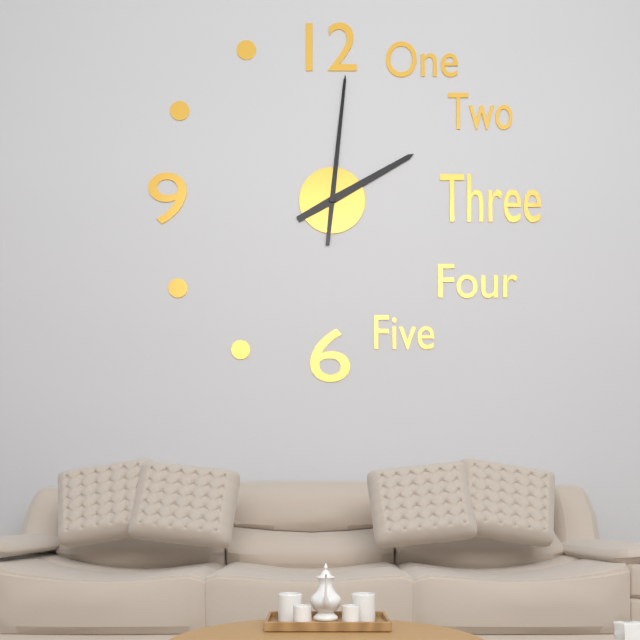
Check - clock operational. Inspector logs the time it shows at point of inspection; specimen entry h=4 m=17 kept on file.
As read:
h=2 m=1
